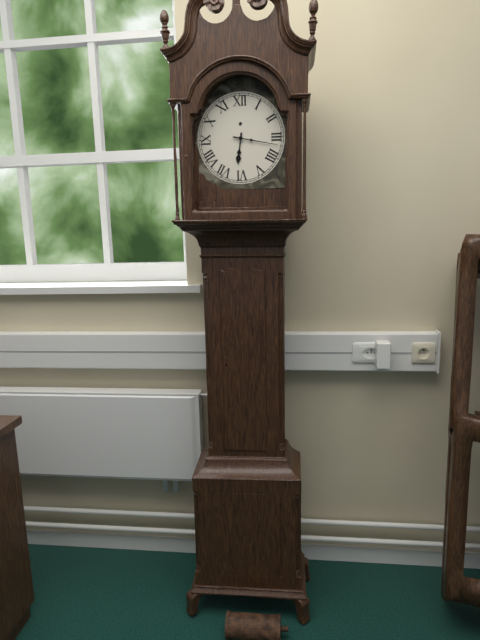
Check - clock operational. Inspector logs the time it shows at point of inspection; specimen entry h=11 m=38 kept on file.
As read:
h=6 m=17
